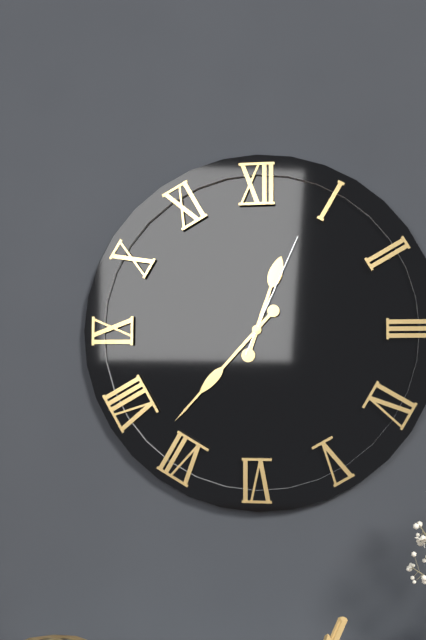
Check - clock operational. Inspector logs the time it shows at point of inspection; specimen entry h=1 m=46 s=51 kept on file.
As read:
h=12 m=37 s=4
